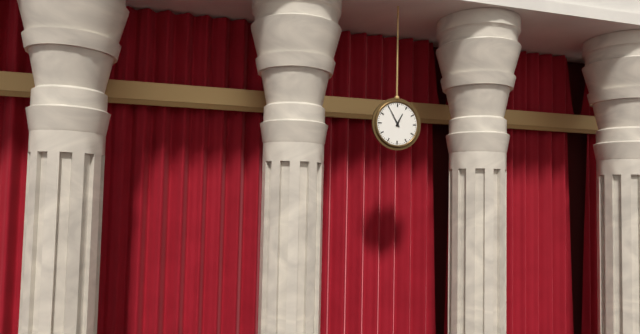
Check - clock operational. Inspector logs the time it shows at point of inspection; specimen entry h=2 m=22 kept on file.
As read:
h=12 m=55
